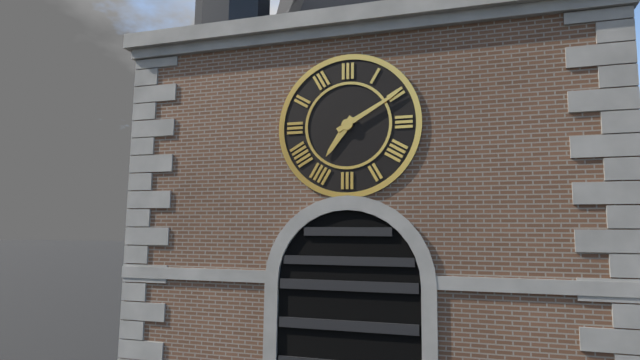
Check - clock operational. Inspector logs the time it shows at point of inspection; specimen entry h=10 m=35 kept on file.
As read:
h=7 m=10
